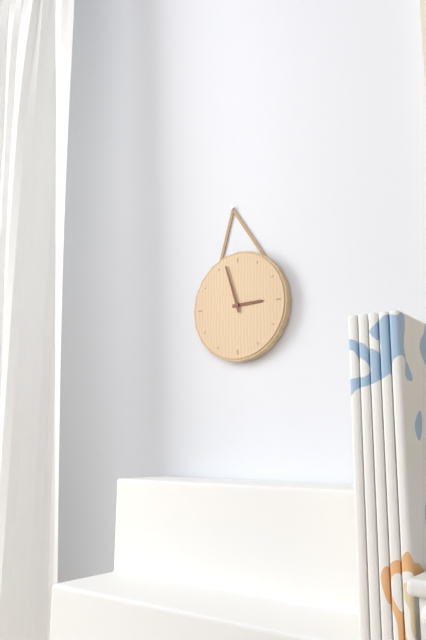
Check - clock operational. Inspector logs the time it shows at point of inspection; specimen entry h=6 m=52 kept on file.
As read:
h=2 m=57
